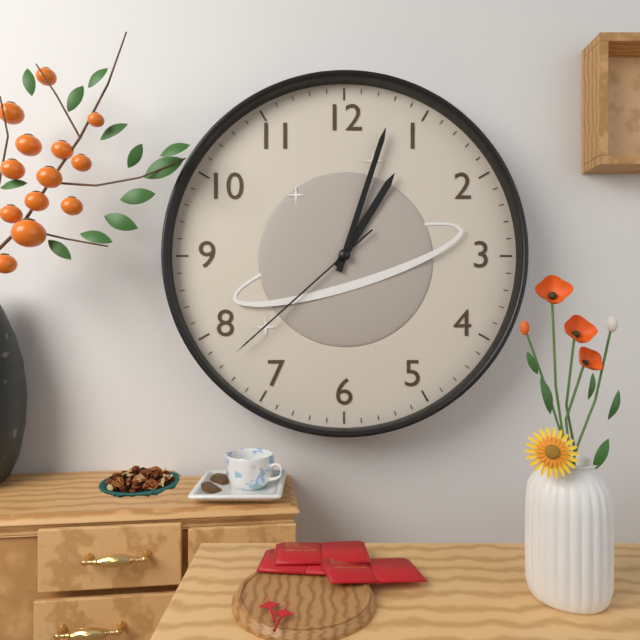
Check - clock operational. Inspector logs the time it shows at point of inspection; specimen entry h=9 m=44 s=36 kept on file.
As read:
h=1 m=3 s=38
